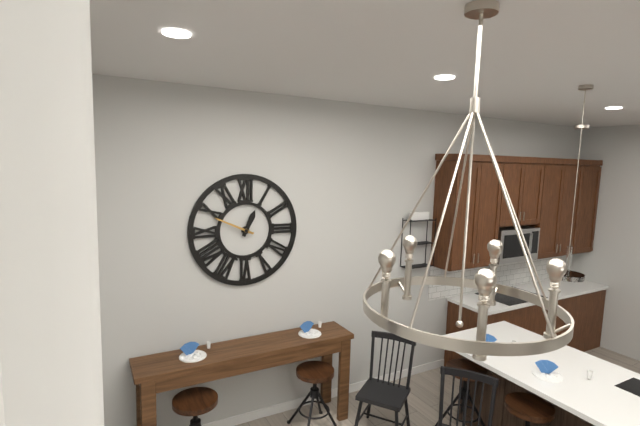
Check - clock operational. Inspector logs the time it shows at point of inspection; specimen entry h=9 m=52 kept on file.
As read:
h=12 m=49
